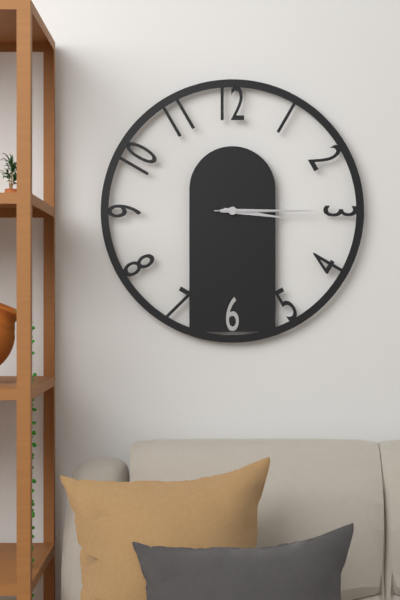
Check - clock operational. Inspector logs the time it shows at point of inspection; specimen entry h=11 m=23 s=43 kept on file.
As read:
h=3 m=15 s=15
